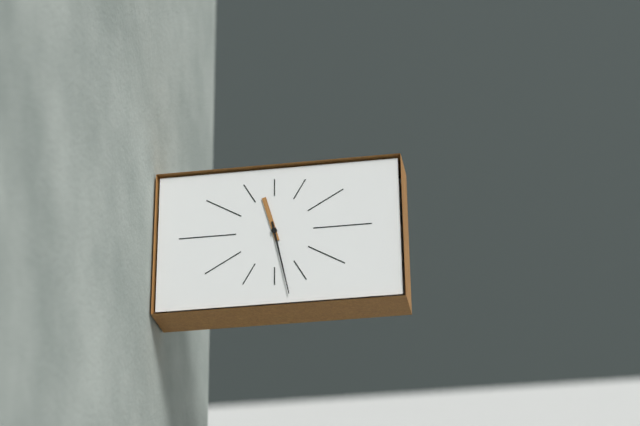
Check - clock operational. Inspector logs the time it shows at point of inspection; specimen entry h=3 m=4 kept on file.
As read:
h=11 m=28
